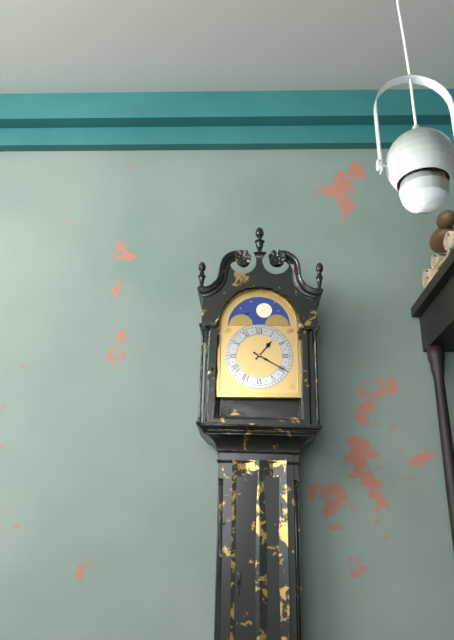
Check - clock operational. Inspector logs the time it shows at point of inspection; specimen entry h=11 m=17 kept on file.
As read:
h=1 m=20
